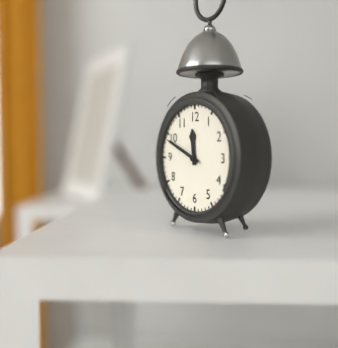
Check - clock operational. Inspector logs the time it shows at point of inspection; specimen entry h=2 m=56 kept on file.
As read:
h=11 m=49
